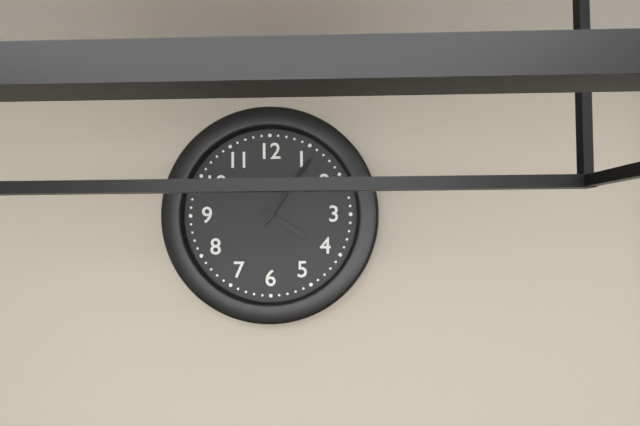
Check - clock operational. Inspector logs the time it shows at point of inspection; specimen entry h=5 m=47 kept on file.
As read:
h=4 m=6
